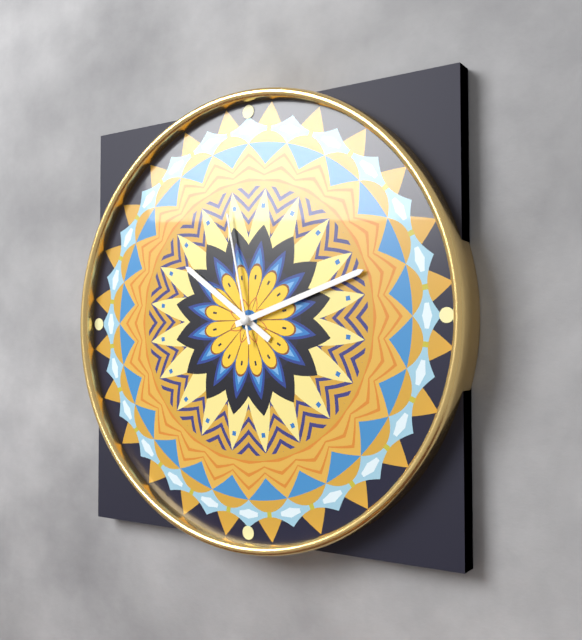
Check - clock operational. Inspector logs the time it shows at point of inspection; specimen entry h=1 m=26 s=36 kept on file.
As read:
h=10 m=12 s=58
